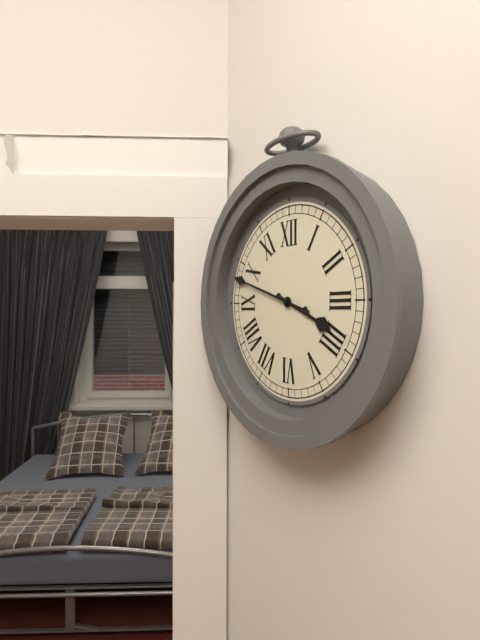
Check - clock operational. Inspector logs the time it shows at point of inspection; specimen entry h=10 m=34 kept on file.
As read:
h=3 m=48
